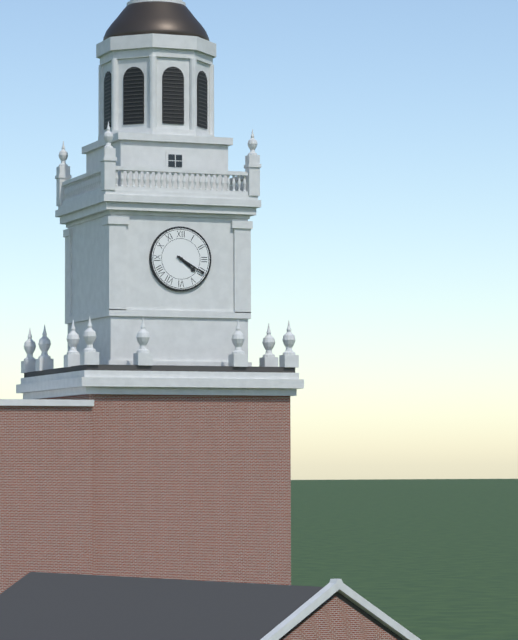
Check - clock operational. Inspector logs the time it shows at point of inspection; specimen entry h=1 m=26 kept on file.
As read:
h=4 m=20
